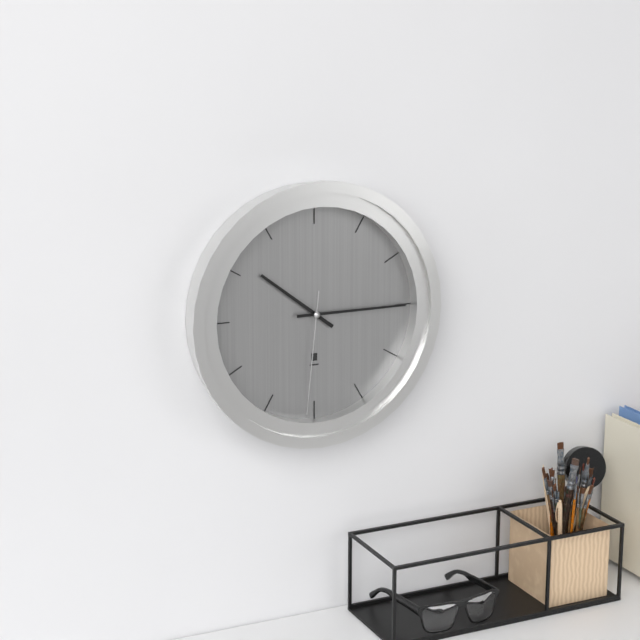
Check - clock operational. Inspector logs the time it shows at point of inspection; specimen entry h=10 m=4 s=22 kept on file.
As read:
h=10 m=15 s=31
